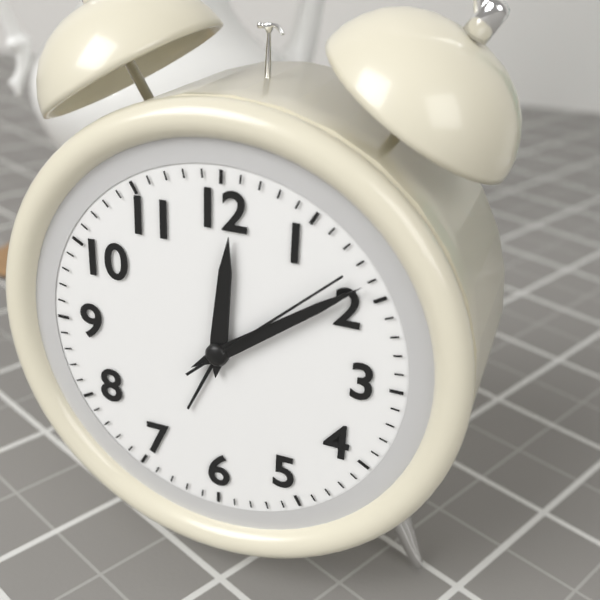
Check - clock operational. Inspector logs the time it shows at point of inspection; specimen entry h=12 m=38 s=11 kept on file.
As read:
h=12 m=9 s=8
